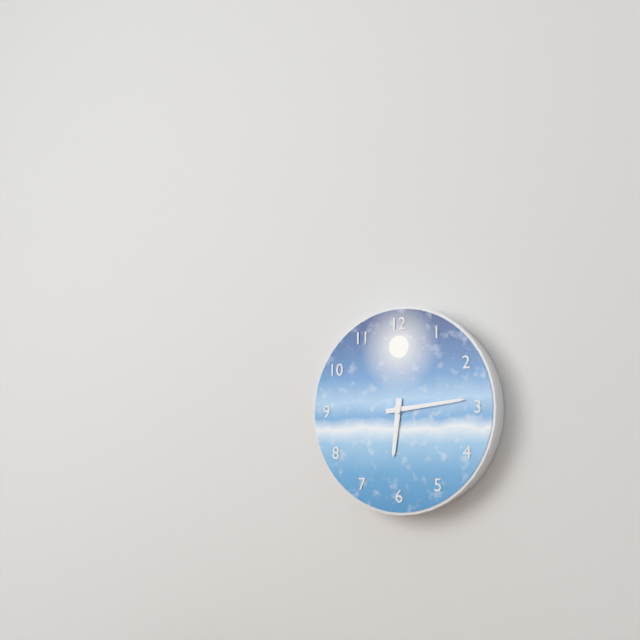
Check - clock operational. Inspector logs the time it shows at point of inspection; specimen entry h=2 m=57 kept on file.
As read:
h=6 m=14
